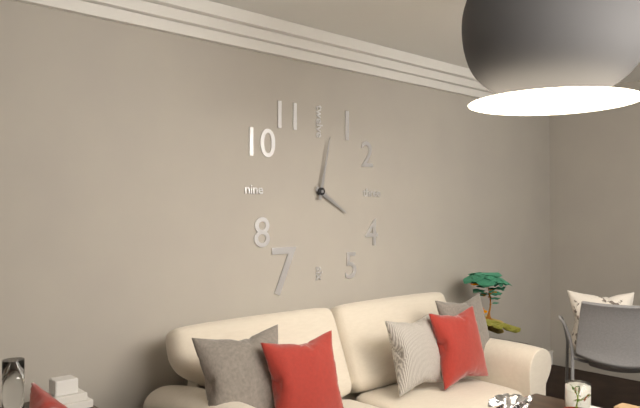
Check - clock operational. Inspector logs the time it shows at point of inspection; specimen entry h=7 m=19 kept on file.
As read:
h=4 m=2
